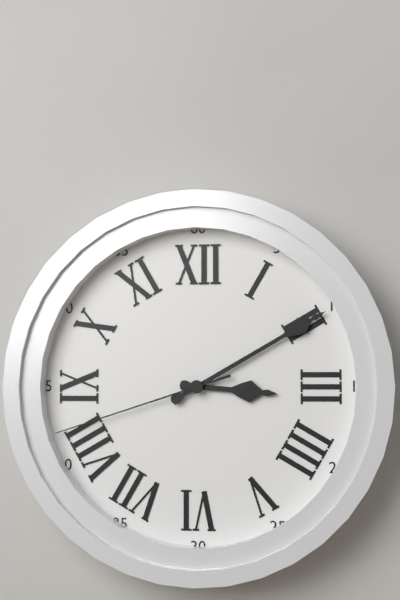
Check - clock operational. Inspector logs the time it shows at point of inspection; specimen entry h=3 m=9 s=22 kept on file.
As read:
h=3 m=10 s=42
